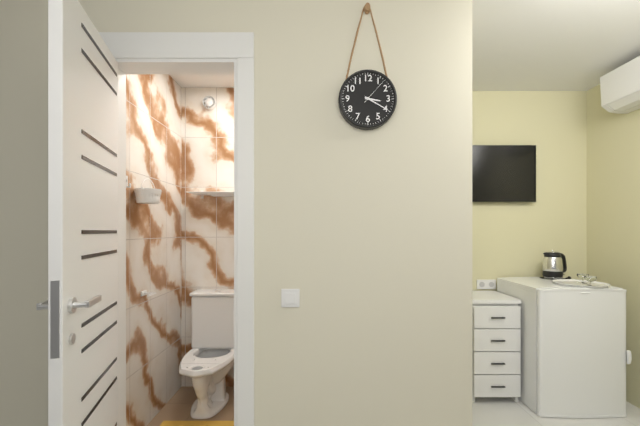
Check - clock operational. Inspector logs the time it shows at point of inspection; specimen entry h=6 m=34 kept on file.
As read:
h=3 m=20
